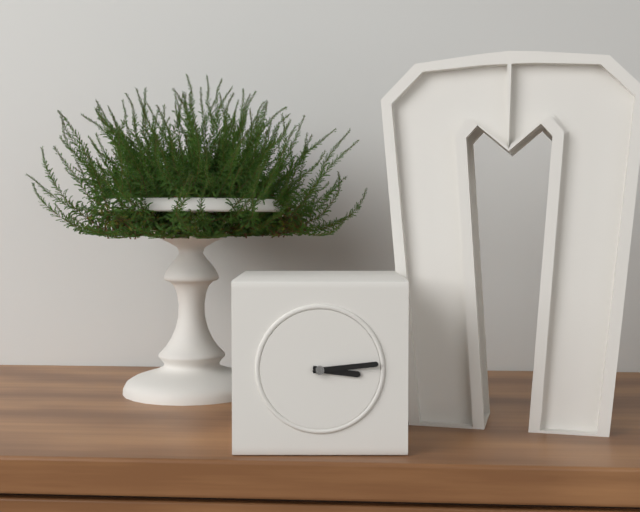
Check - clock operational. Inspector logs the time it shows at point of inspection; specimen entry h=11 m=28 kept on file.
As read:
h=3 m=14
